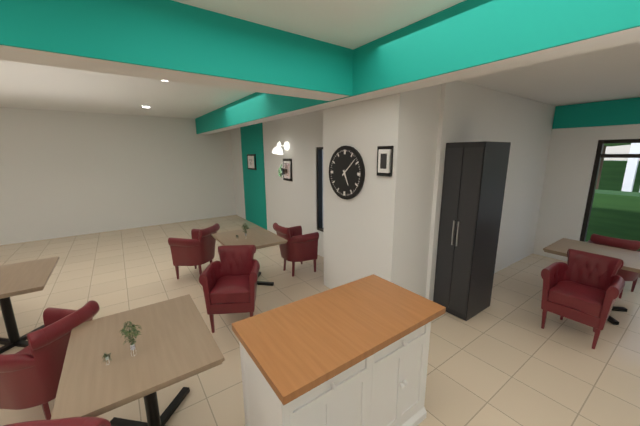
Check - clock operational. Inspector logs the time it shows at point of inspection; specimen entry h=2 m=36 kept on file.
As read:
h=5 m=8
